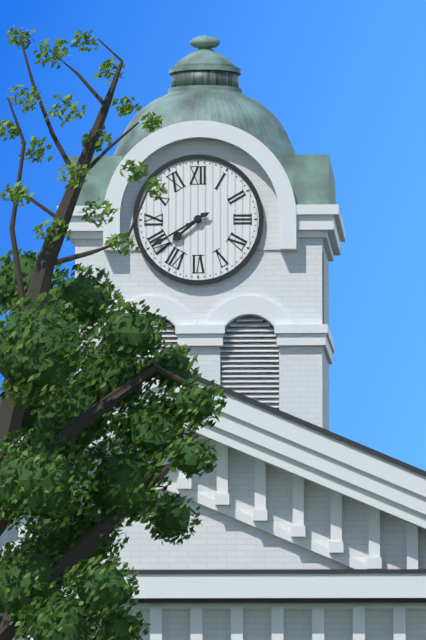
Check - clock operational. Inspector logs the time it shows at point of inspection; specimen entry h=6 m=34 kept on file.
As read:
h=7 m=40
